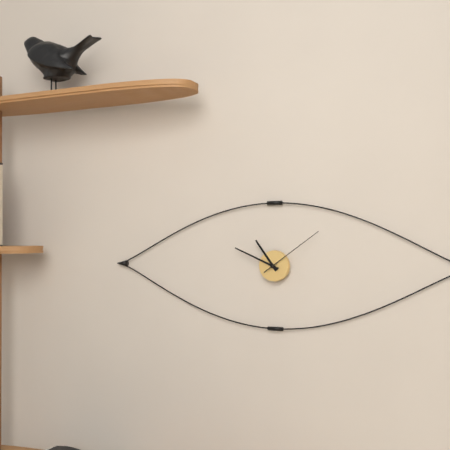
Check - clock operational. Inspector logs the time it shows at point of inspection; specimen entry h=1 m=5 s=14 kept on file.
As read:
h=10 m=49 s=9
